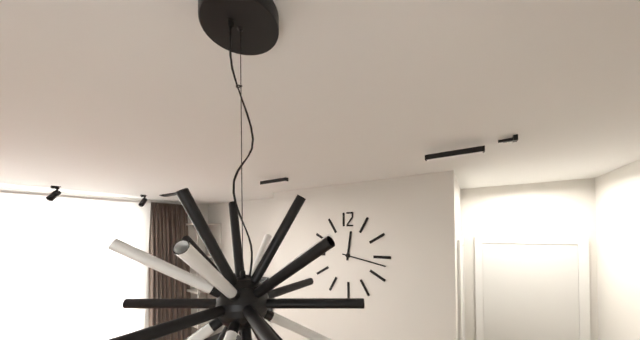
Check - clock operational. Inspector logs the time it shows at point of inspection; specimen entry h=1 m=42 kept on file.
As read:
h=12 m=17
